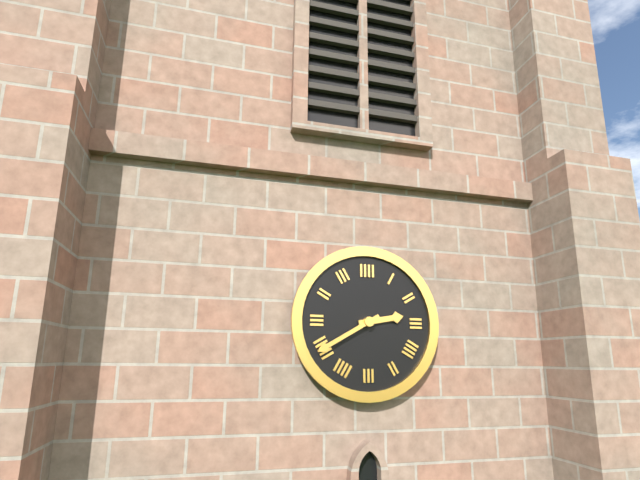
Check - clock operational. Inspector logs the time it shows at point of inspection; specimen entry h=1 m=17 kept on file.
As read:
h=2 m=40
